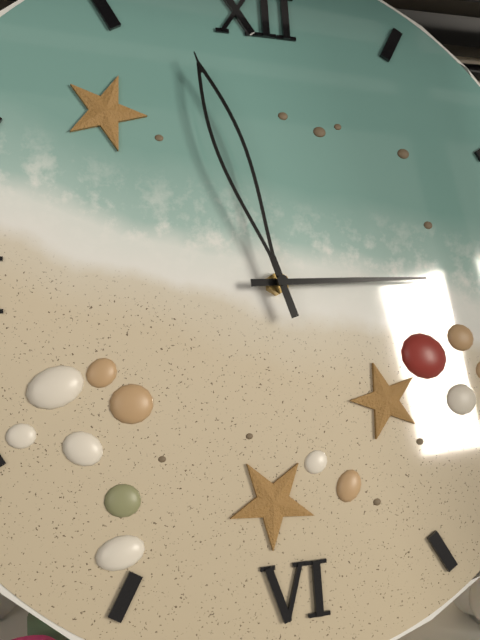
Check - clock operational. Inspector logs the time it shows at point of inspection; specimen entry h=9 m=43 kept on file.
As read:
h=2 m=57
